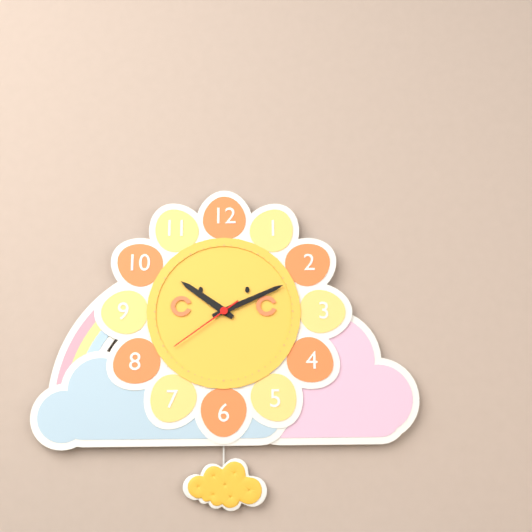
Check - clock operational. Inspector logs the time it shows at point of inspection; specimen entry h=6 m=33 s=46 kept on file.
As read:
h=10 m=11 s=39
